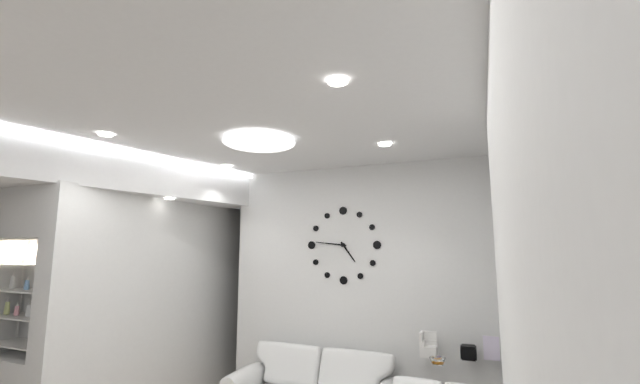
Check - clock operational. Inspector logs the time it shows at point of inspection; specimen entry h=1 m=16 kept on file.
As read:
h=4 m=46
